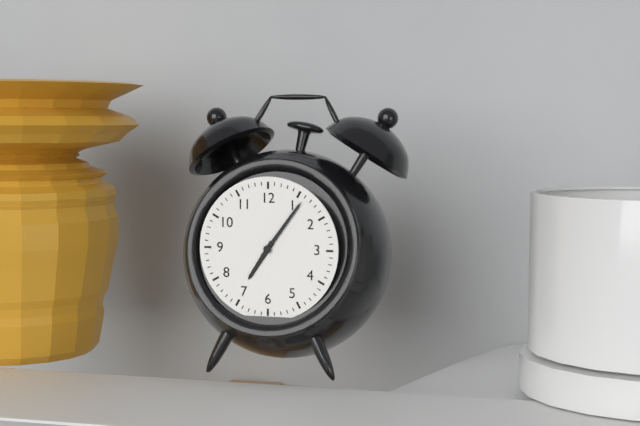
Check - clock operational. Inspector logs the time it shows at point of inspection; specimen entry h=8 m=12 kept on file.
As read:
h=7 m=6
